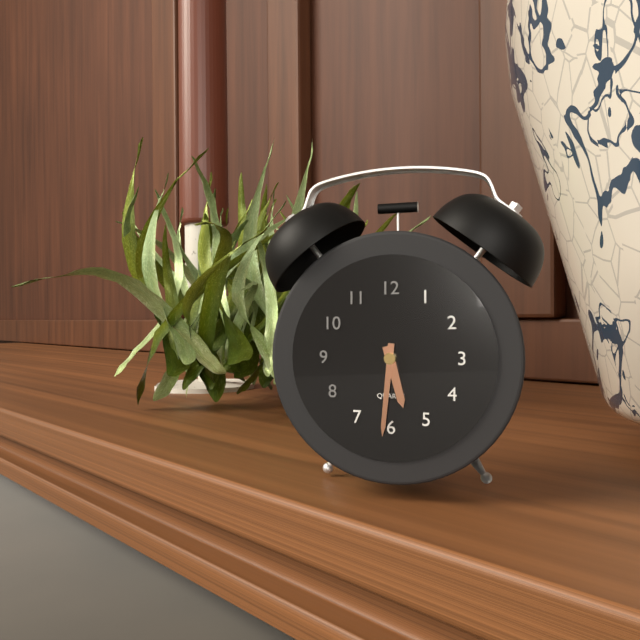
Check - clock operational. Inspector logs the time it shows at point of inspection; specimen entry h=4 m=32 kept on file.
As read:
h=5 m=31
